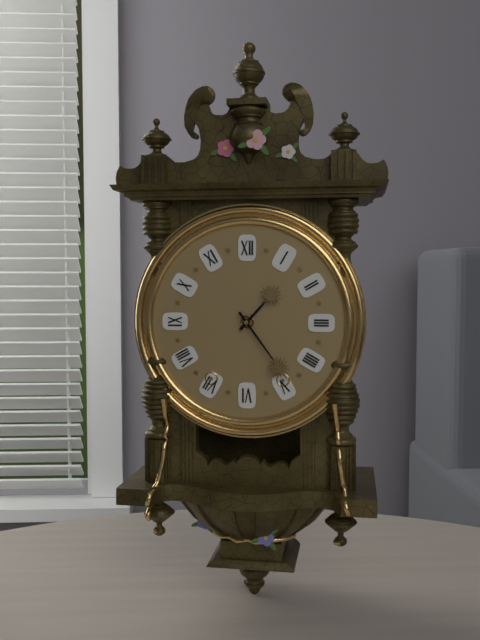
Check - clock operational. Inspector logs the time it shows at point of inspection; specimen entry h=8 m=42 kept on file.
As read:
h=1 m=24
